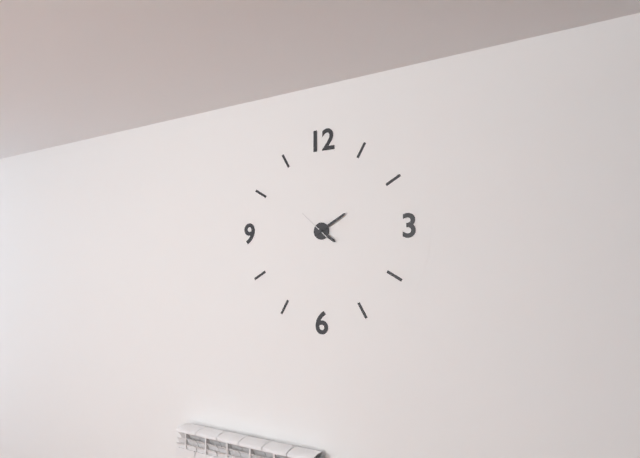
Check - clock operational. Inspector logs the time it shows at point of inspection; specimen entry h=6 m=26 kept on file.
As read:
h=4 m=10
